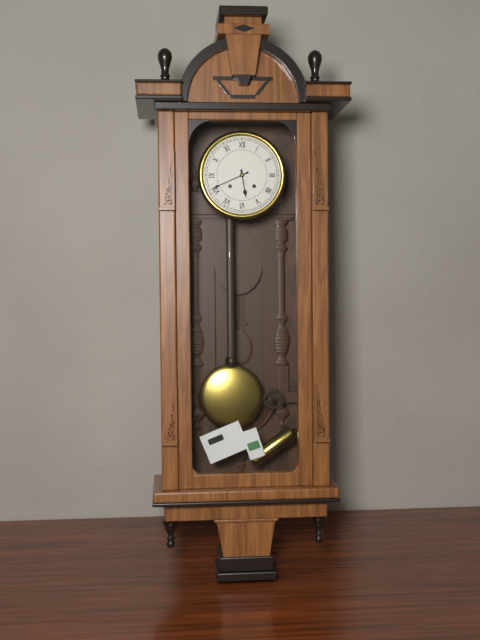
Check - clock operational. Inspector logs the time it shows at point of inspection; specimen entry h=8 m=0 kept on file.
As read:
h=5 m=41
